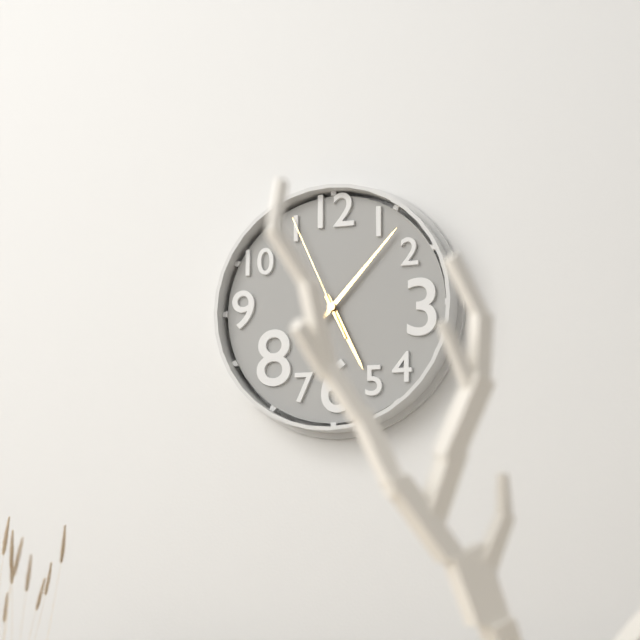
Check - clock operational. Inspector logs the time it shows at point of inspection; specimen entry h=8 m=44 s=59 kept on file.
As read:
h=5 m=7 s=56
